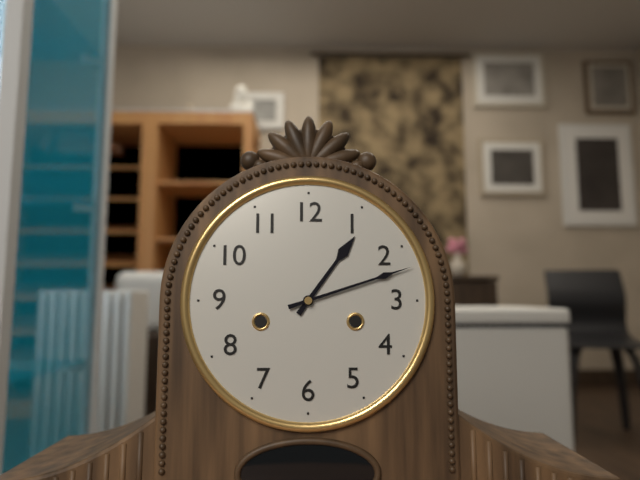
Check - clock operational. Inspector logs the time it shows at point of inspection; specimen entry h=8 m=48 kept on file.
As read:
h=1 m=12
